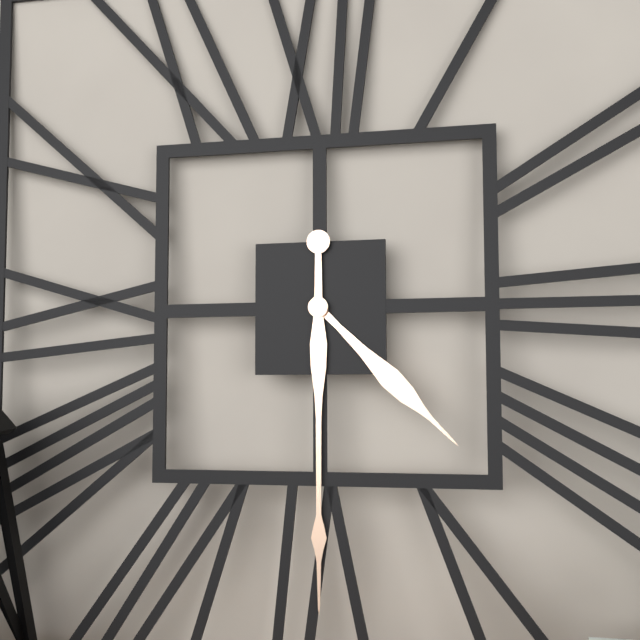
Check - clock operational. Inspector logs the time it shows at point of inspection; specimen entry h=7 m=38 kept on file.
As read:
h=4 m=30
